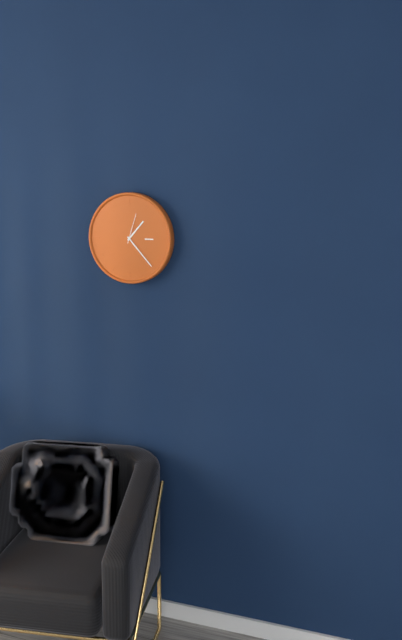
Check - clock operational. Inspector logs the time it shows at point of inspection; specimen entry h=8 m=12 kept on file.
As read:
h=1 m=23
